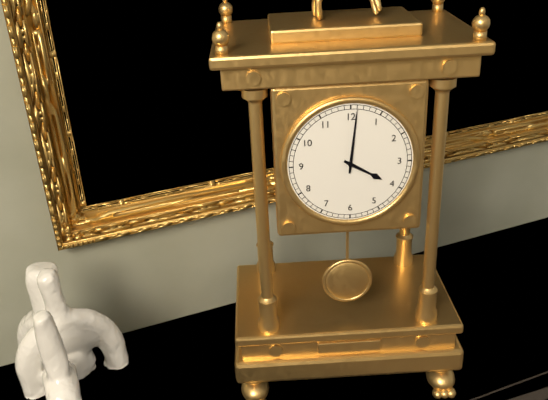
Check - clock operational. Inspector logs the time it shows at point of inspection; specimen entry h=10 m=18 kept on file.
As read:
h=4 m=1
